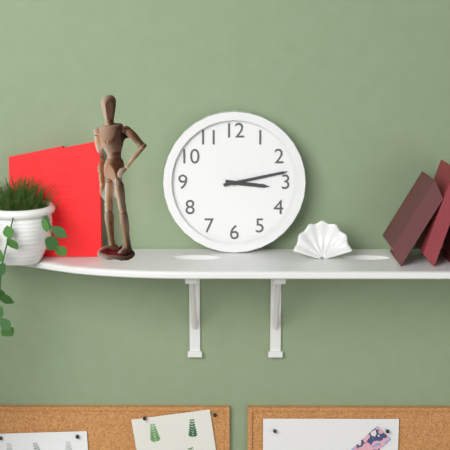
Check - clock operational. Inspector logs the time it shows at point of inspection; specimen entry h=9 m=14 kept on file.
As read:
h=3 m=13
